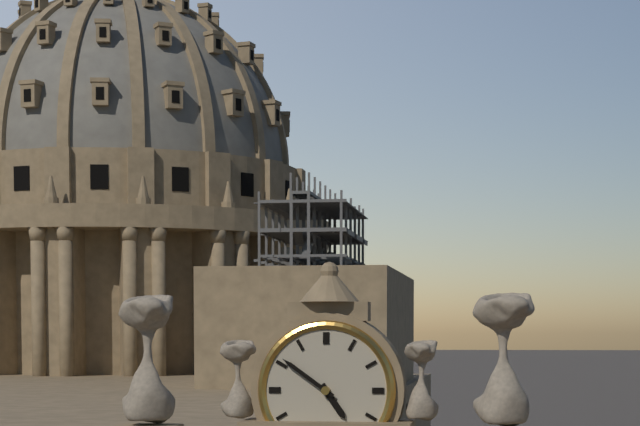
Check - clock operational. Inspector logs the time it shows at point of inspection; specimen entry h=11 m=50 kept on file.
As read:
h=4 m=51
